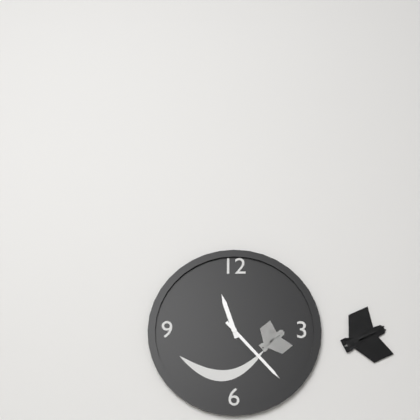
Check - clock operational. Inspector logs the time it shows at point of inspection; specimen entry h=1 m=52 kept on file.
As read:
h=11 m=23
